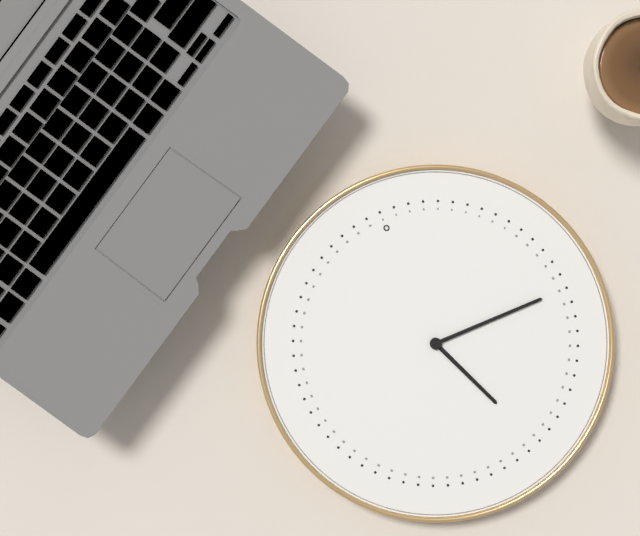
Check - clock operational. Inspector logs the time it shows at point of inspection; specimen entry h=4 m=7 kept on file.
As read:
h=5 m=15
